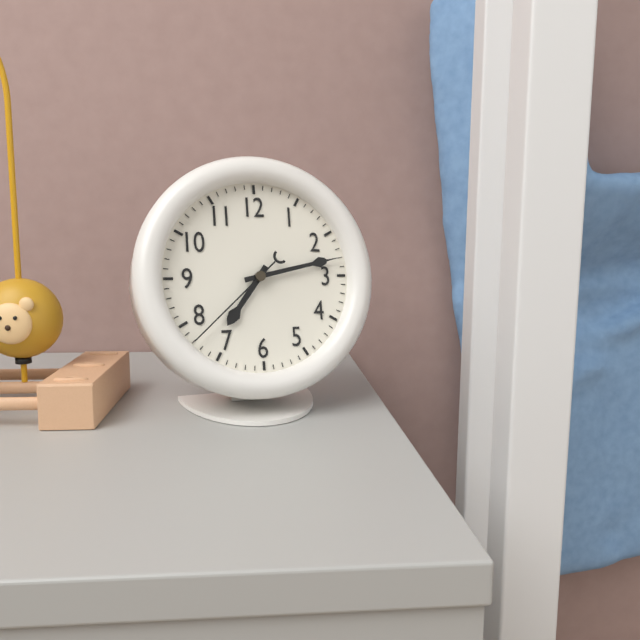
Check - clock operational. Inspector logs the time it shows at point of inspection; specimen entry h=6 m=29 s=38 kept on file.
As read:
h=7 m=13 s=38
